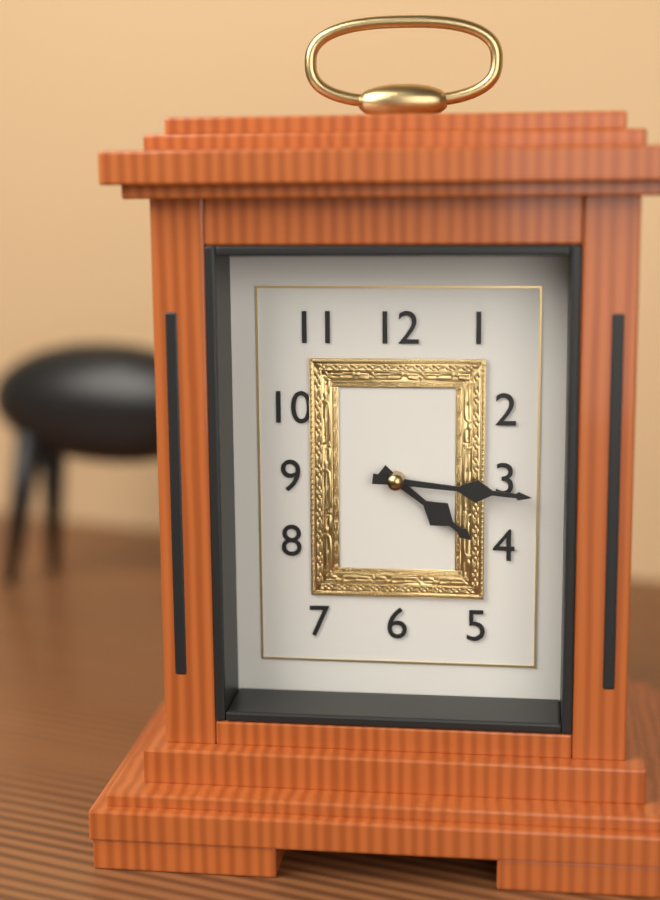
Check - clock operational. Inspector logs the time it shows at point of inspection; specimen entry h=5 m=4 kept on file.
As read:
h=4 m=16
